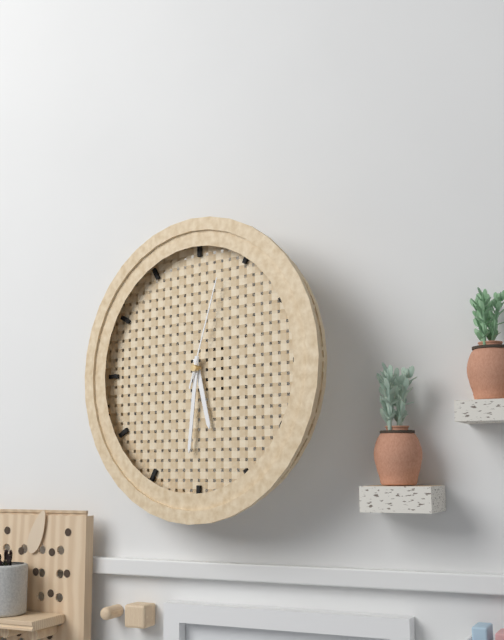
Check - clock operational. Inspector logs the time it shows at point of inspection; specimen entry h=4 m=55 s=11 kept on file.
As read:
h=5 m=31 s=3
